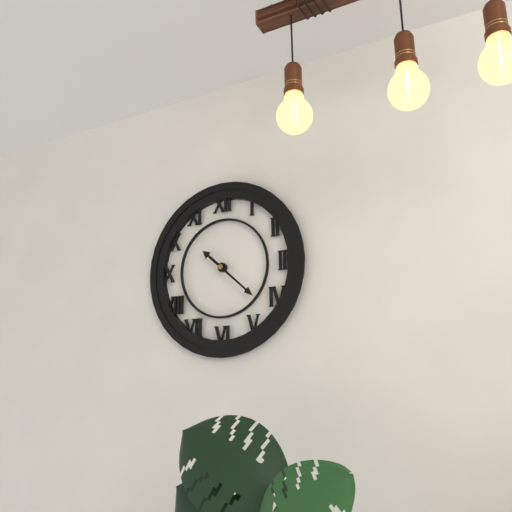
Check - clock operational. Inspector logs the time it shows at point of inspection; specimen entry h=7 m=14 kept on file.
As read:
h=10 m=22
